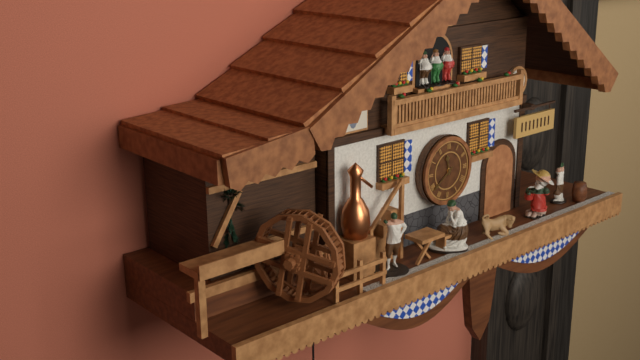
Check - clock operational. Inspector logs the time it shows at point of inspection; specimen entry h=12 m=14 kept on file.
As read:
h=11 m=39
